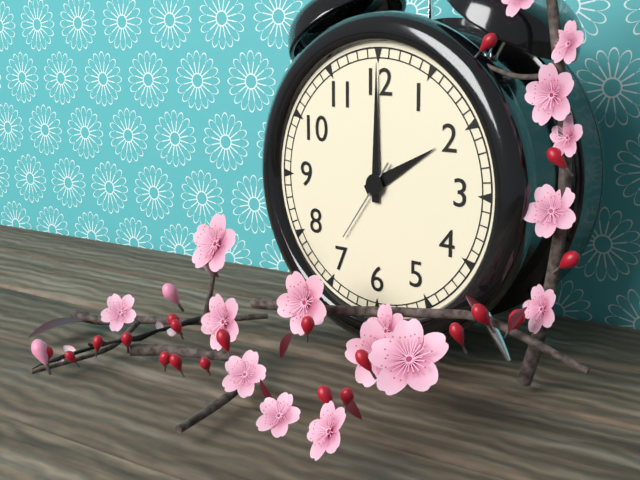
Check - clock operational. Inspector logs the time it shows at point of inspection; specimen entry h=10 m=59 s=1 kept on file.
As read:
h=2 m=0 s=36
